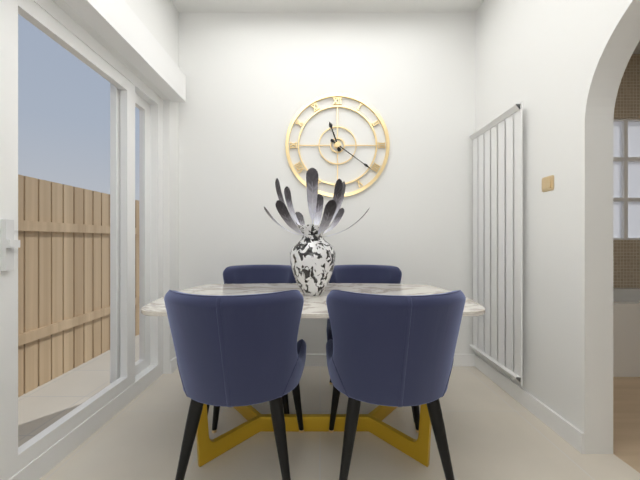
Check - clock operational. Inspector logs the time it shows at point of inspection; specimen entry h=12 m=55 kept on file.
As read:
h=11 m=21
